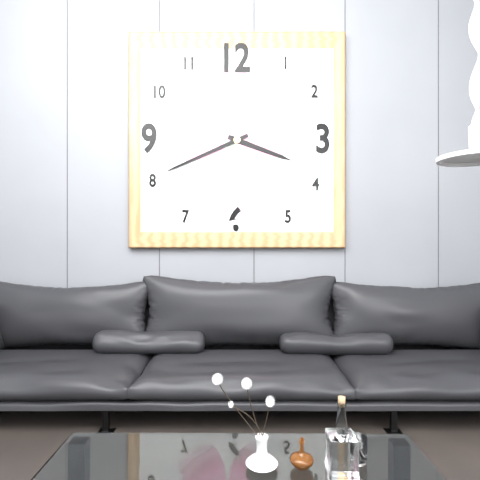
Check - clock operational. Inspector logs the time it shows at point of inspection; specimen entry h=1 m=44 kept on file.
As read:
h=3 m=41
